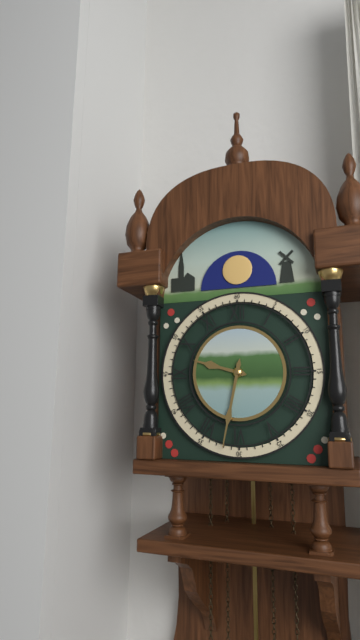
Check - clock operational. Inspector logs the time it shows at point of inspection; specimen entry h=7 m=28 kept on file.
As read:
h=9 m=32
